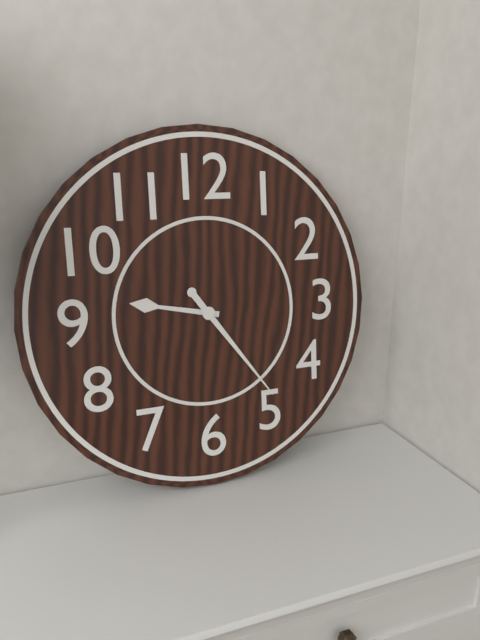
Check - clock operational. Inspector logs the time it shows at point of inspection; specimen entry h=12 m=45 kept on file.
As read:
h=9 m=24
